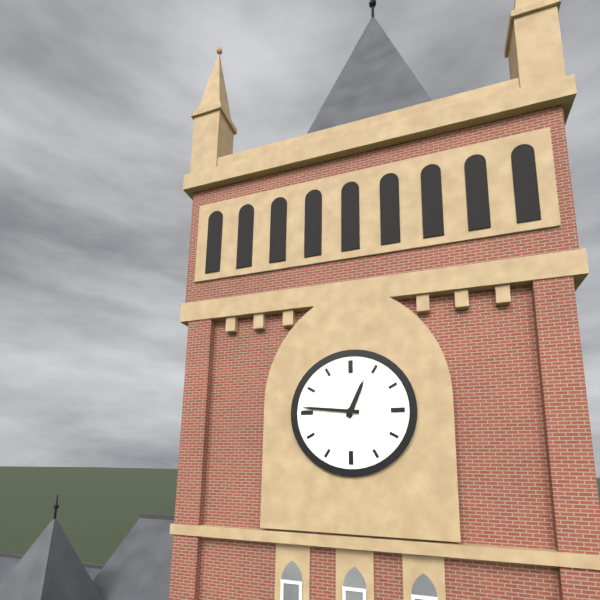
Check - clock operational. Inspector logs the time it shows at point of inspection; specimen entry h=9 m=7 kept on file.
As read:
h=12 m=46
